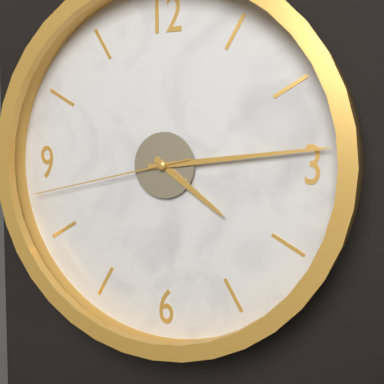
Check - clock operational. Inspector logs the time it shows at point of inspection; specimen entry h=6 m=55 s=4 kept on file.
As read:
h=4 m=14 s=43
